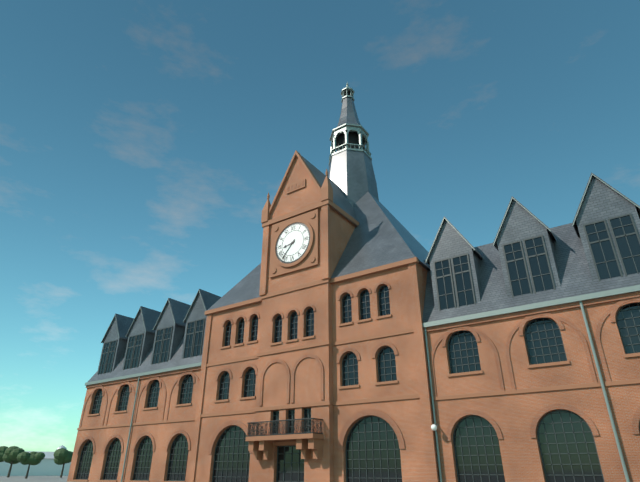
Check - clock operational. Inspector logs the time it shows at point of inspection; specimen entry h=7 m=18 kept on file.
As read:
h=8 m=37
